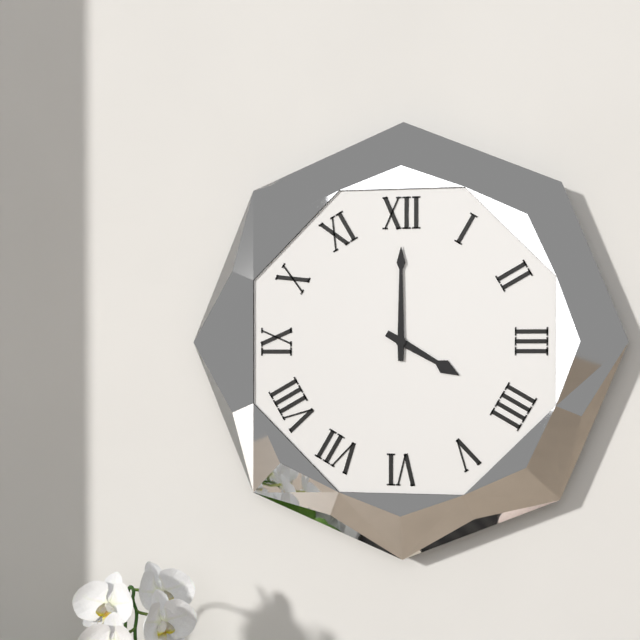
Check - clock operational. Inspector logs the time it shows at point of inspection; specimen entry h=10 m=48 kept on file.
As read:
h=4 m=0
